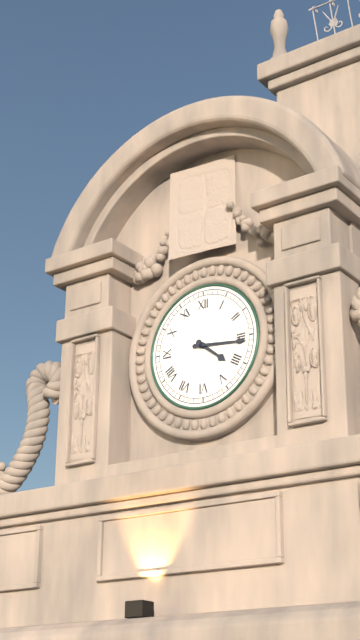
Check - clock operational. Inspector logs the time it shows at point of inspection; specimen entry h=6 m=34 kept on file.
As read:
h=4 m=16
